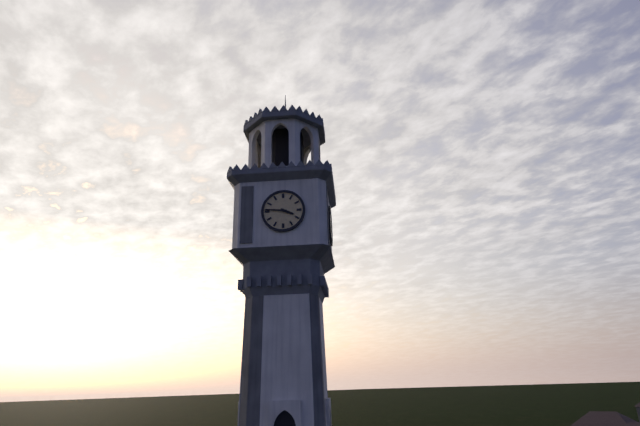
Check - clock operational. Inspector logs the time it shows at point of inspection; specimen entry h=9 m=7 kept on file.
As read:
h=3 m=46
